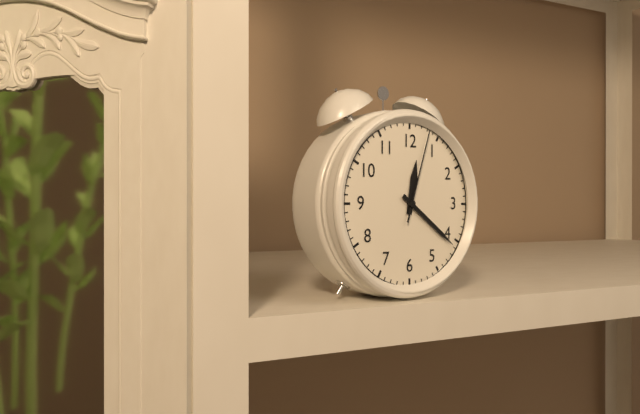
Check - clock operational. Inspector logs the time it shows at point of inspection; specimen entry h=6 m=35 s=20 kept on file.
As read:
h=12 m=21 s=3
